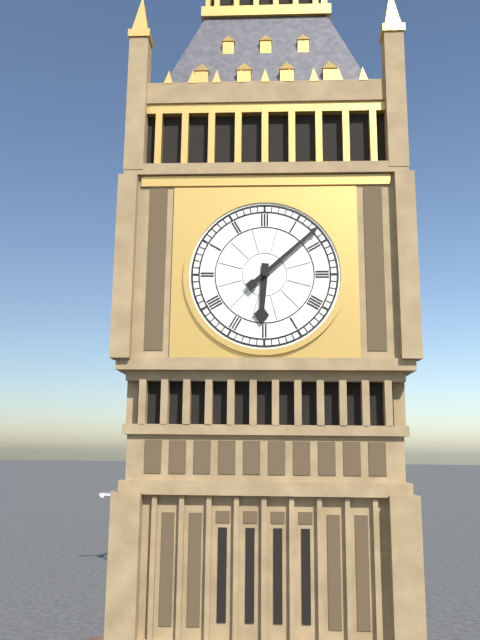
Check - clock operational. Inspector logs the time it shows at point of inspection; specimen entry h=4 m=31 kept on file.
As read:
h=6 m=8
